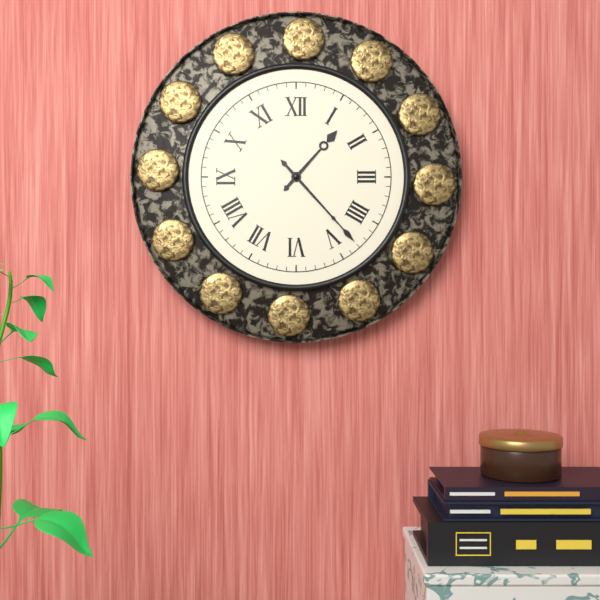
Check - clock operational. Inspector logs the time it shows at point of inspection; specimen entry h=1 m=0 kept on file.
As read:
h=1 m=23
